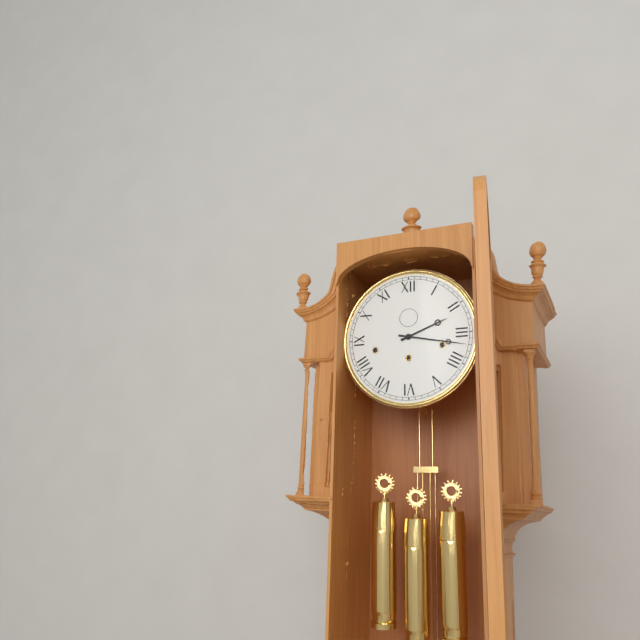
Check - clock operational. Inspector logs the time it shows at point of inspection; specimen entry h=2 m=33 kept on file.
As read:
h=2 m=17
